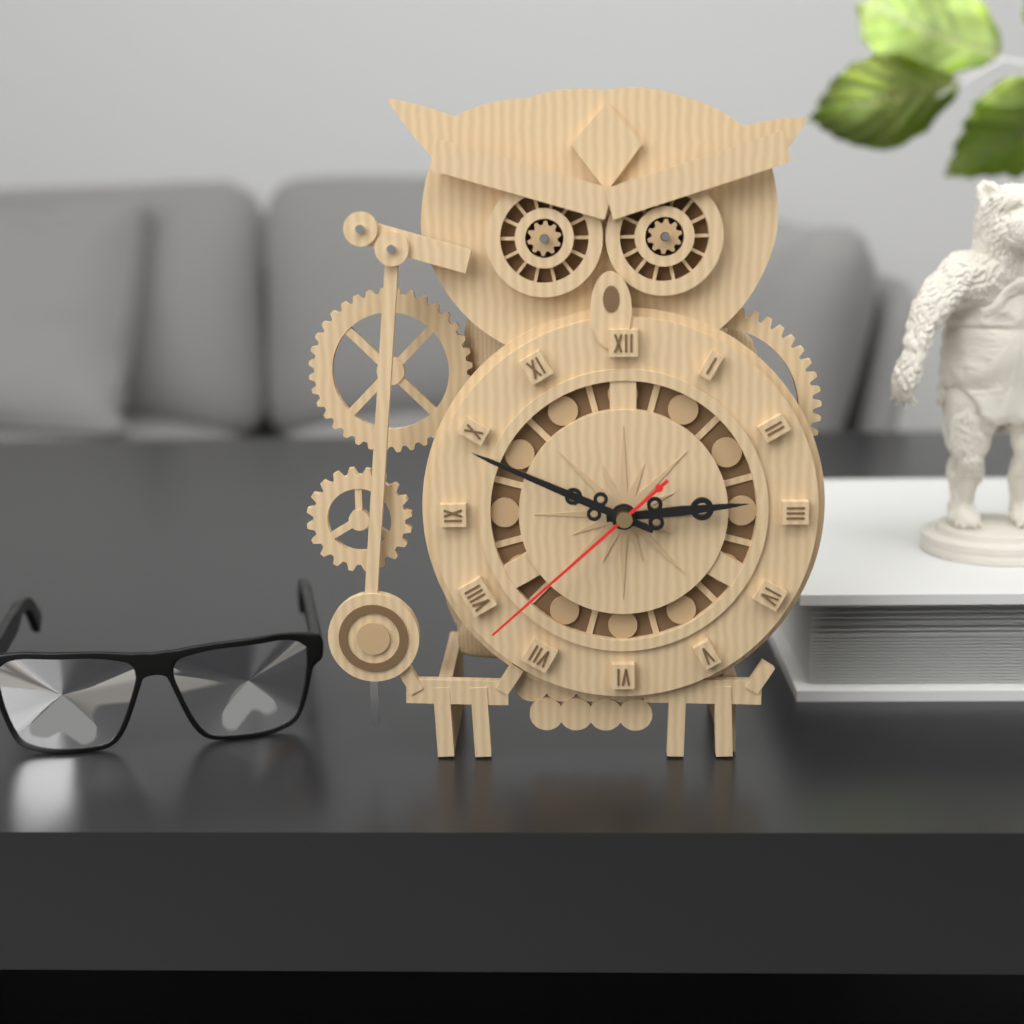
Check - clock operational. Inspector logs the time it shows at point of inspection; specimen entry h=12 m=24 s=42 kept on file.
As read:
h=2 m=49 s=38
